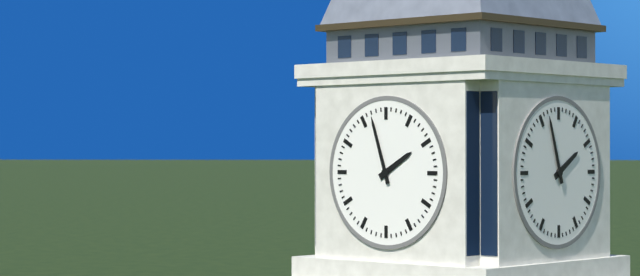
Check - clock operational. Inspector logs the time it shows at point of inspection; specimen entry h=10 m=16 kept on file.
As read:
h=1 m=57
